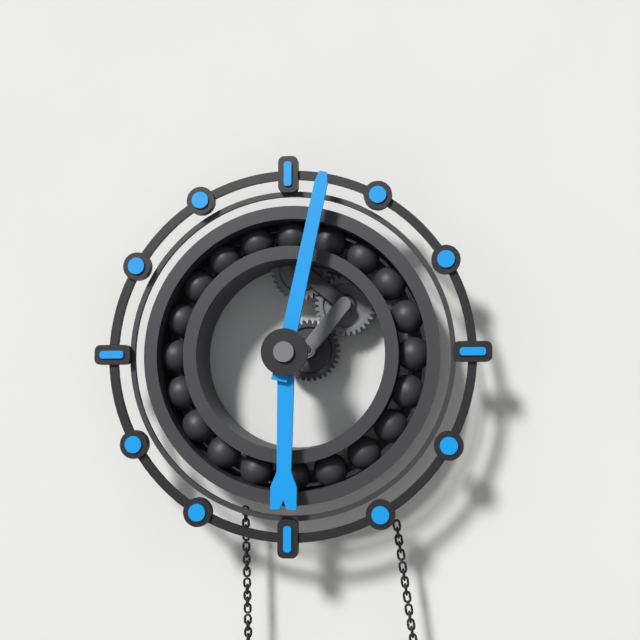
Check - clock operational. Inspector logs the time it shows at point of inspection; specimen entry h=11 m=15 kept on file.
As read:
h=6 m=2
